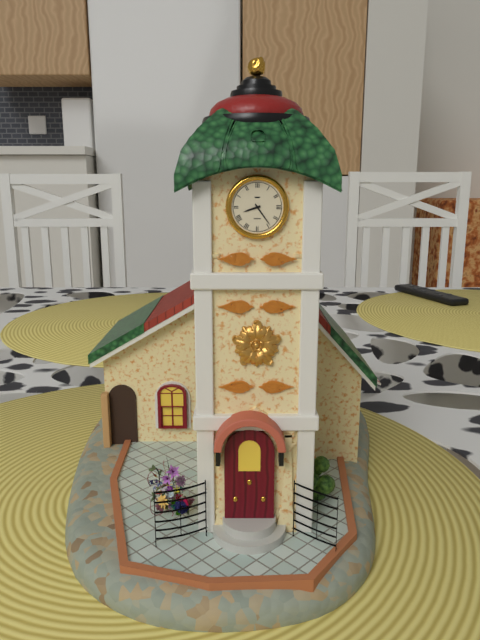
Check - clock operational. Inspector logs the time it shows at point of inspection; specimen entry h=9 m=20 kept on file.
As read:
h=8 m=24
